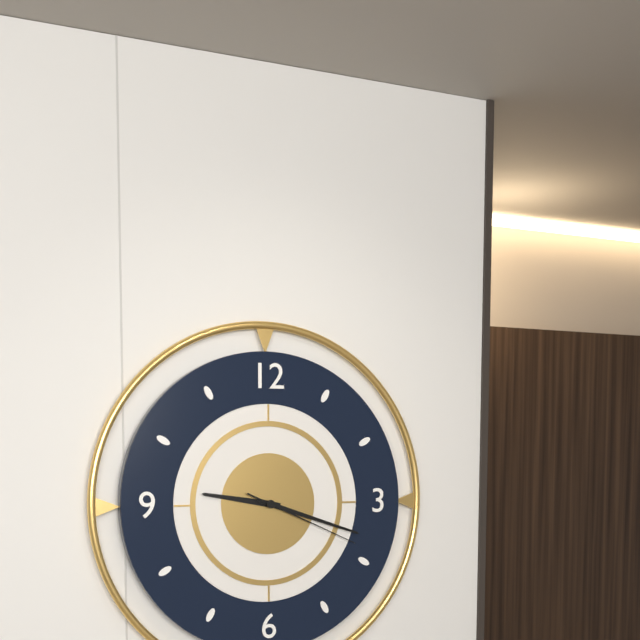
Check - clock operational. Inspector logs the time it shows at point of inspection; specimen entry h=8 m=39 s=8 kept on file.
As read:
h=9 m=18 s=19
